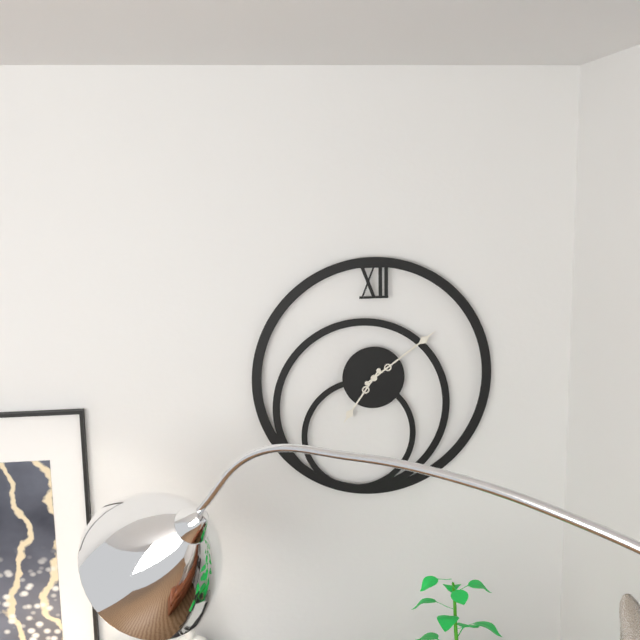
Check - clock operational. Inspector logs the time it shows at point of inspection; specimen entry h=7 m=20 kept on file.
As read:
h=7 m=9
